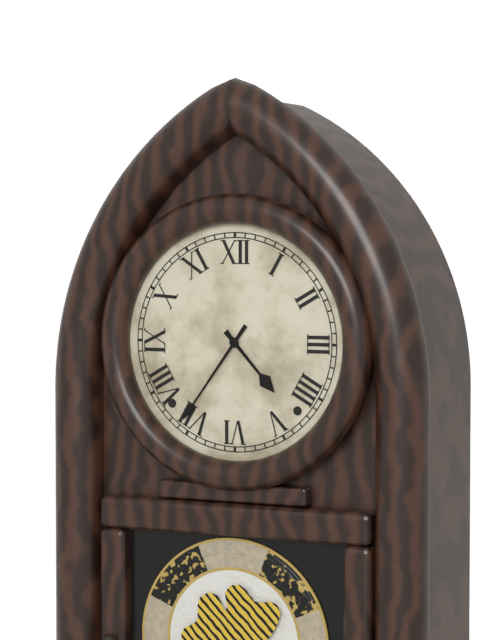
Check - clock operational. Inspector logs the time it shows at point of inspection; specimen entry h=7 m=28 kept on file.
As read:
h=4 m=36
